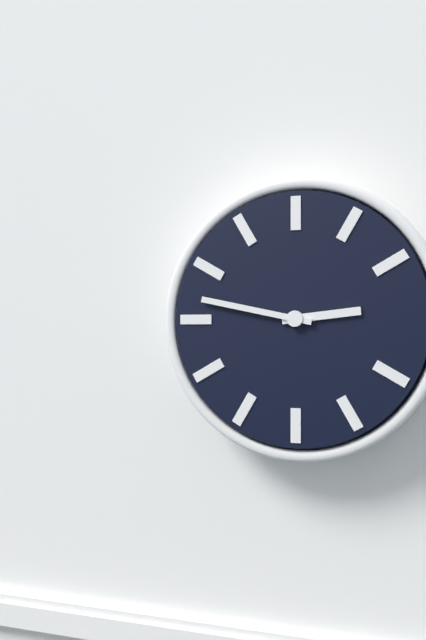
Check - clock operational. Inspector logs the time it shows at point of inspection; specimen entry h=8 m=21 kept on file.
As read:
h=2 m=47
